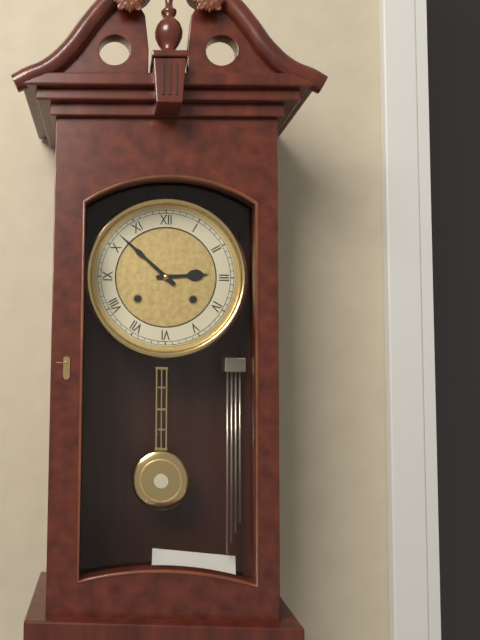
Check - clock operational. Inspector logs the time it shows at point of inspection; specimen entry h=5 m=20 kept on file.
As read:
h=2 m=52
